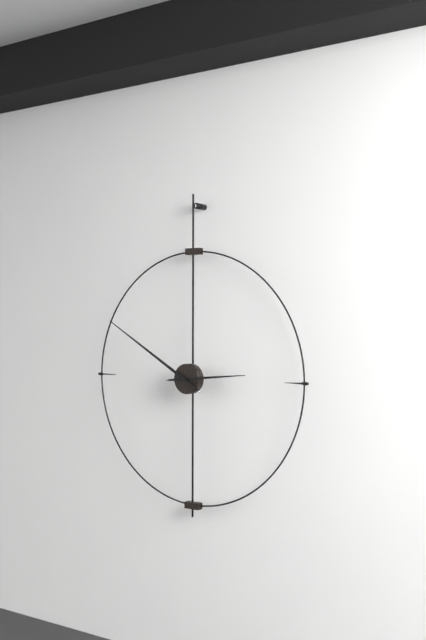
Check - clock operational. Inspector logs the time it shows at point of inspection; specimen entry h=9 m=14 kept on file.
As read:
h=2 m=50
